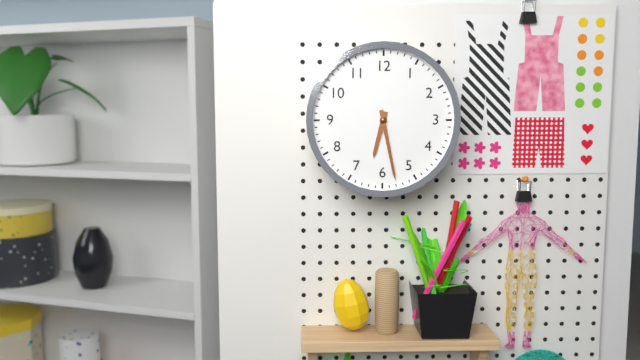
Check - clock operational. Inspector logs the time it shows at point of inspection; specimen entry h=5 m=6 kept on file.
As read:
h=6 m=28
